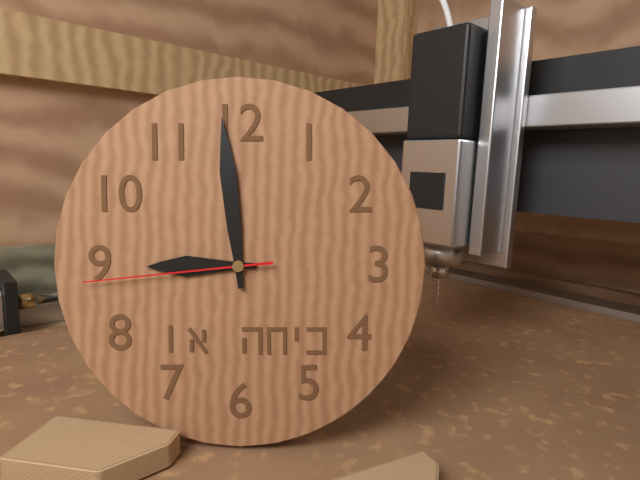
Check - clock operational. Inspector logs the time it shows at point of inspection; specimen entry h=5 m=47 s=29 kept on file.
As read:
h=8 m=59 s=44
